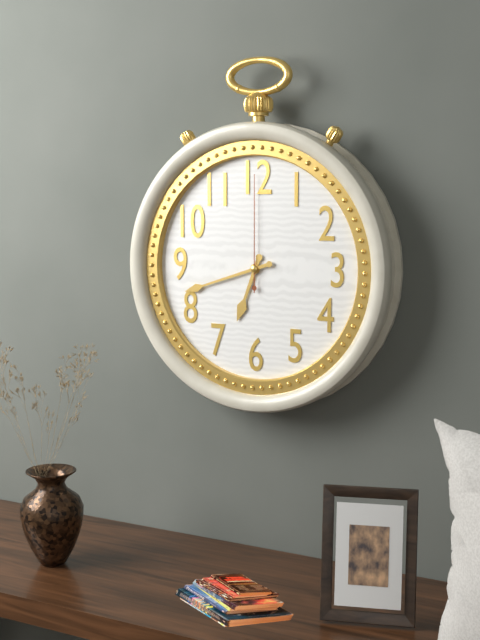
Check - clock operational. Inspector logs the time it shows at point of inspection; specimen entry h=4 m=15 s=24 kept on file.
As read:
h=6 m=42 s=0
